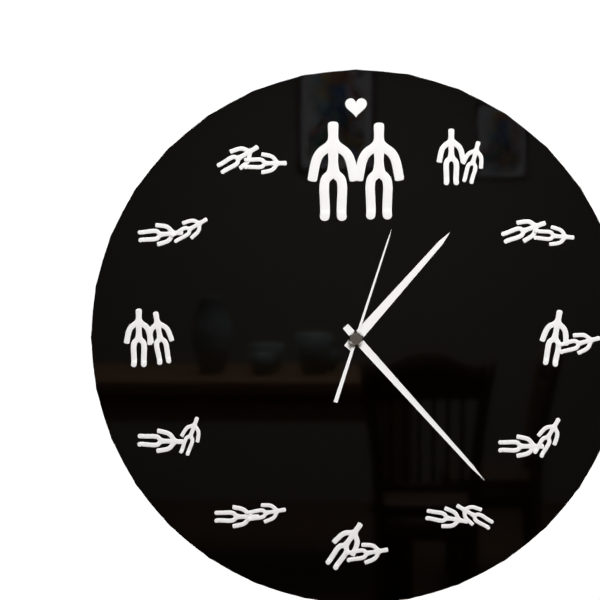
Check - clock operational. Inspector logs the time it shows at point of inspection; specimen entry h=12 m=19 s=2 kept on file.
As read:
h=1 m=23 s=3
